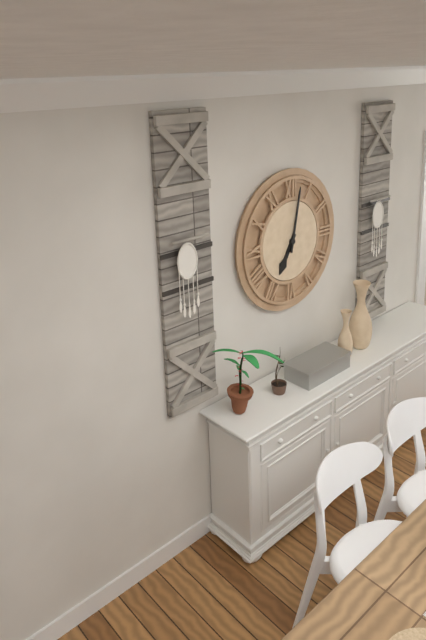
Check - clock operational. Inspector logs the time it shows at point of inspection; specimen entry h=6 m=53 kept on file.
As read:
h=7 m=2
